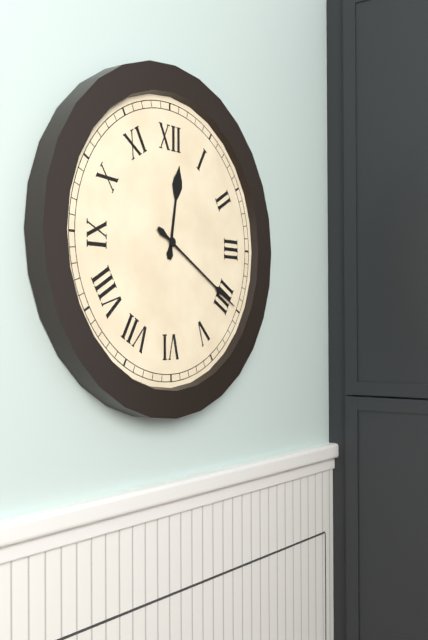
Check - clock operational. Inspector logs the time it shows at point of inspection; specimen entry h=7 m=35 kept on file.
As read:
h=12 m=20
